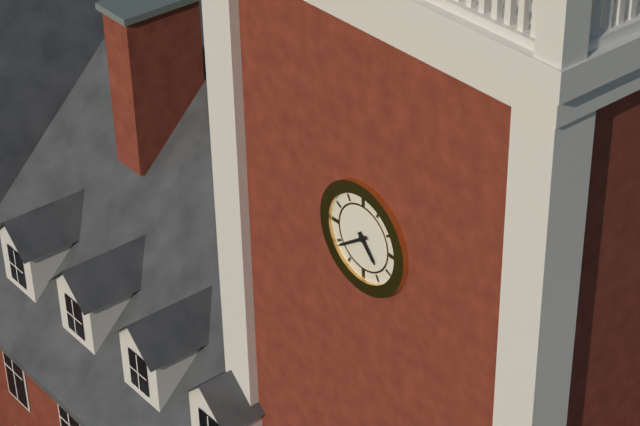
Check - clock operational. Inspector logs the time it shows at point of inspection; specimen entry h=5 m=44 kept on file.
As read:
h=4 m=39
